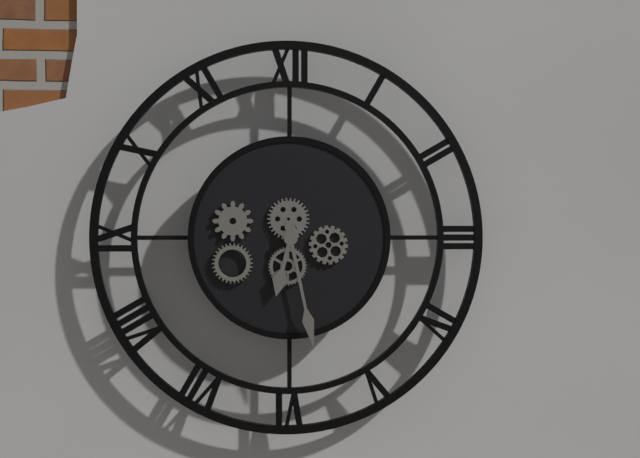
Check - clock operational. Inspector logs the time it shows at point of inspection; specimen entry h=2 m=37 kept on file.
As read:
h=6 m=28
